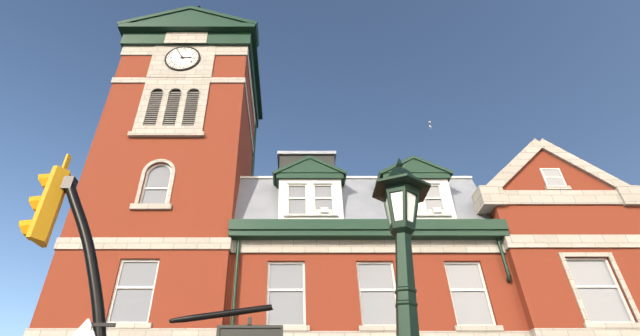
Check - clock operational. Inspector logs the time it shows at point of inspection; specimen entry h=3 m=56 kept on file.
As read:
h=2 m=55
